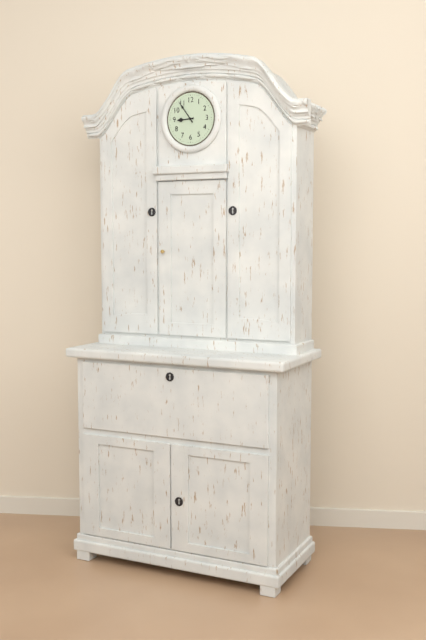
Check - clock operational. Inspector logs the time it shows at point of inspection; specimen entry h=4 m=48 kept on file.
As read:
h=8 m=54
